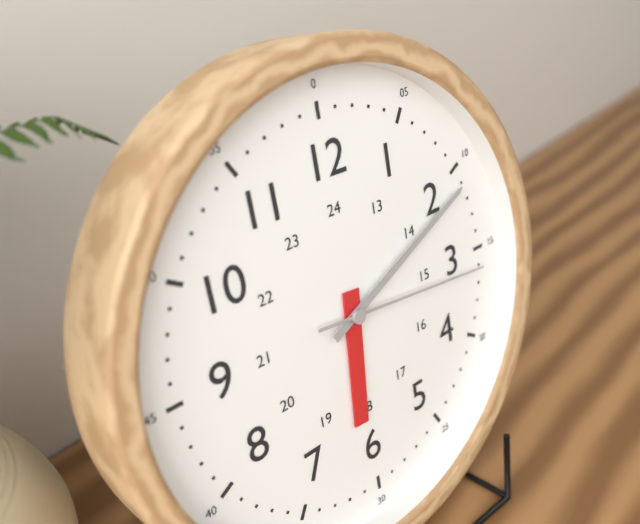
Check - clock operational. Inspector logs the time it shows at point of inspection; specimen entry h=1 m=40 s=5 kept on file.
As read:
h=6 m=11 s=16
